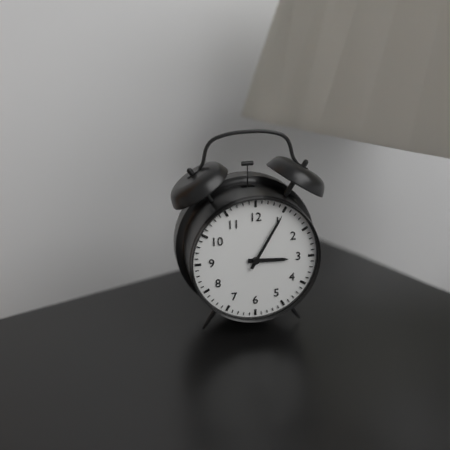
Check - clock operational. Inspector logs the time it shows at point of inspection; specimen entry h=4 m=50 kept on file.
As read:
h=3 m=5
